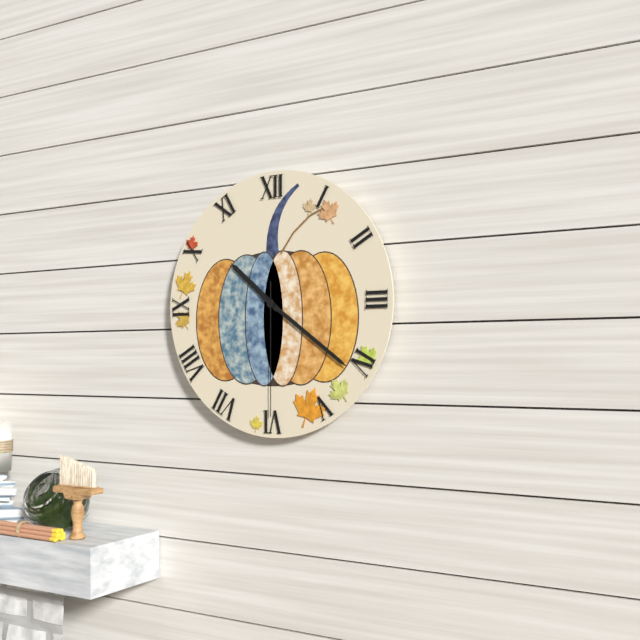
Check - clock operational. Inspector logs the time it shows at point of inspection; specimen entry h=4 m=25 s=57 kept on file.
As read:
h=10 m=21 s=30
